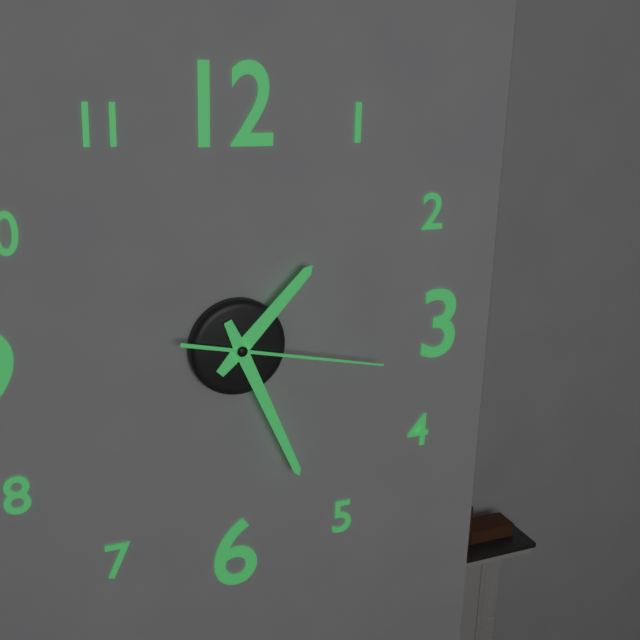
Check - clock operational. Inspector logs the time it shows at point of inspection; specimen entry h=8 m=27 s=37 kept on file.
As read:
h=1 m=26 s=17
